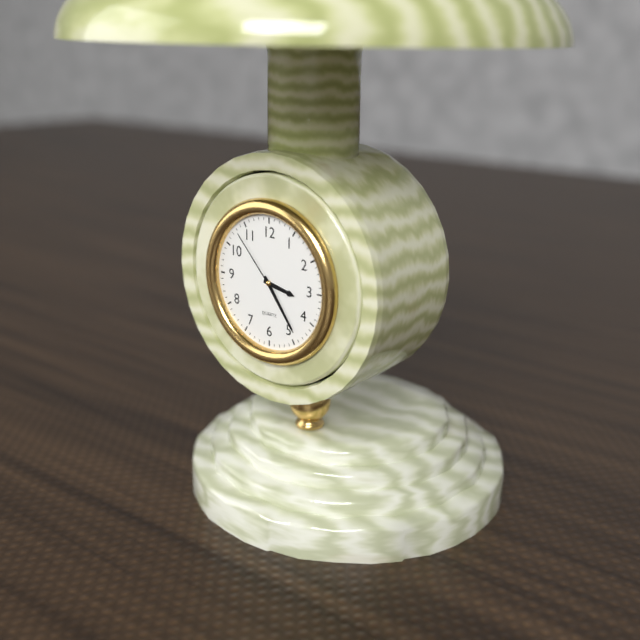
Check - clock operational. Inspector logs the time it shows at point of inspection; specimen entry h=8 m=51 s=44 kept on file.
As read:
h=3 m=24 s=53
